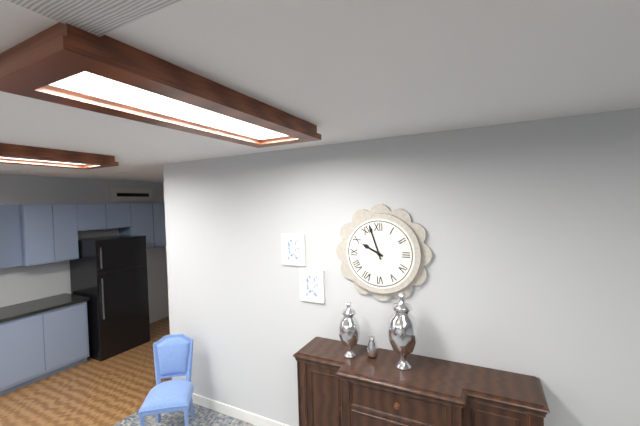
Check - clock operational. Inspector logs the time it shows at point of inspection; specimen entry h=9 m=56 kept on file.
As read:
h=9 m=57
